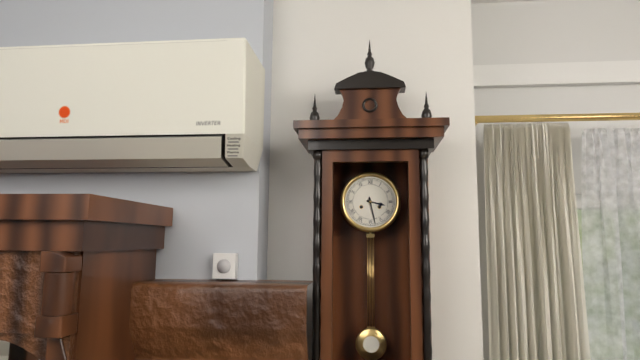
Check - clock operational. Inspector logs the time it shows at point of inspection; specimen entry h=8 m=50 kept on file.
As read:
h=3 m=28
